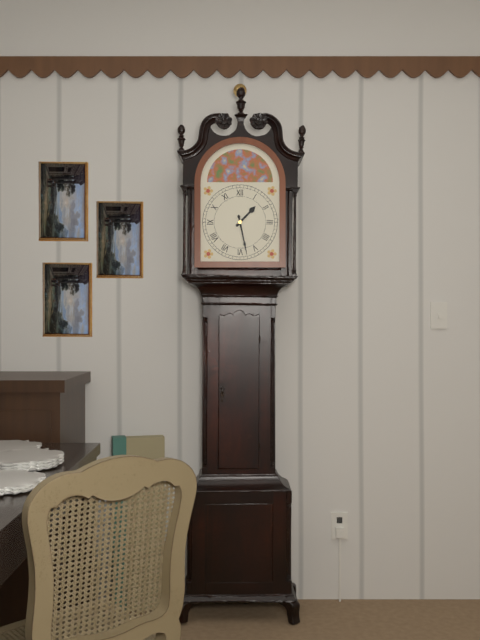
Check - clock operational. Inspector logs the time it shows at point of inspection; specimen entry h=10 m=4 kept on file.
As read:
h=1 m=28
